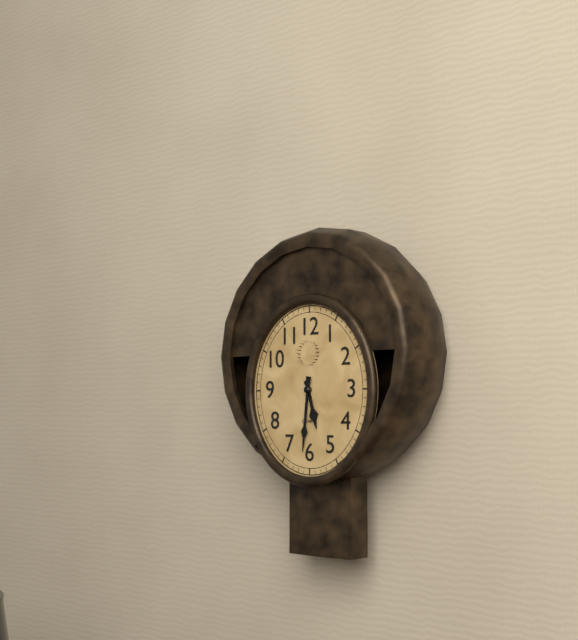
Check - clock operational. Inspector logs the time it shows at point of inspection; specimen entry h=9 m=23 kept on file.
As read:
h=5 m=31
